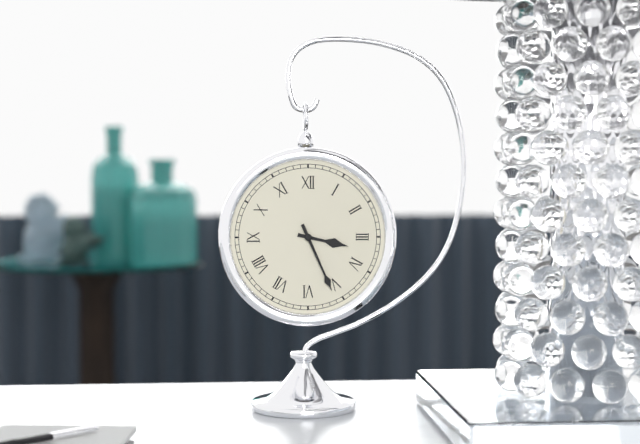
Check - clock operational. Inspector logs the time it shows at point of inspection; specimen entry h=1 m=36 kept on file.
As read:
h=3 m=26
